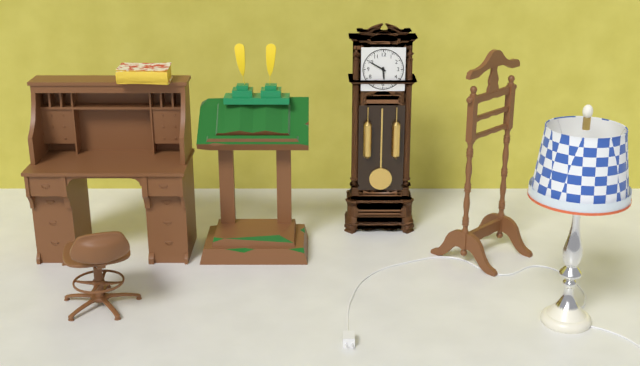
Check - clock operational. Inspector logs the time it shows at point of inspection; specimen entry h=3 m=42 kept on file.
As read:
h=5 m=50
